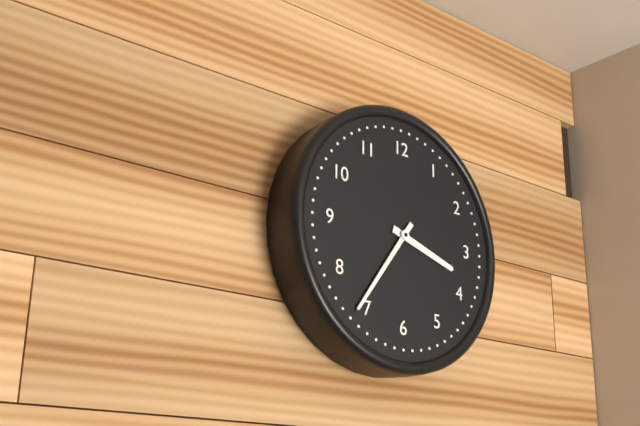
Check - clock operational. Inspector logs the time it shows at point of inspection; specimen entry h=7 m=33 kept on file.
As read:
h=3 m=36
